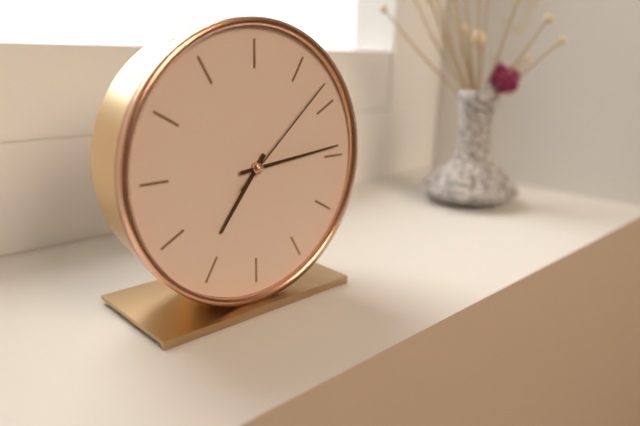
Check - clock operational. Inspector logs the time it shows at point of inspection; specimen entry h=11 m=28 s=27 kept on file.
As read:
h=7 m=14 s=8
